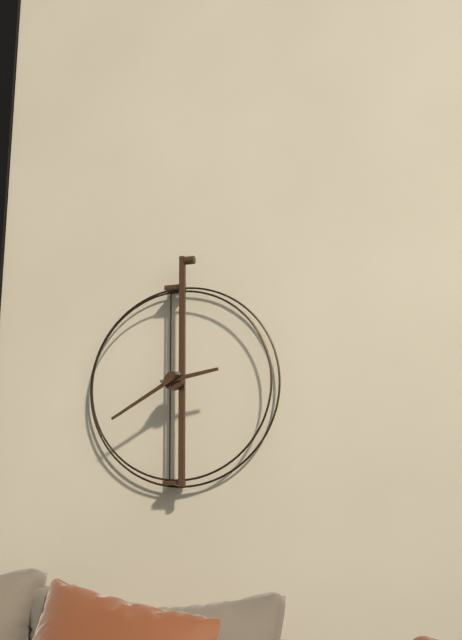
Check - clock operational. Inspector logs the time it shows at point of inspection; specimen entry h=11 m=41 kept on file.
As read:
h=2 m=40
